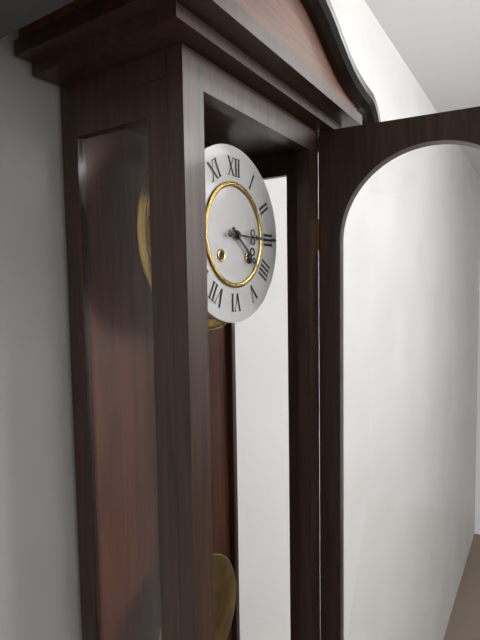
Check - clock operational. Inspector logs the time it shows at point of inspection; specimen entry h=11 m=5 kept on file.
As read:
h=4 m=15
